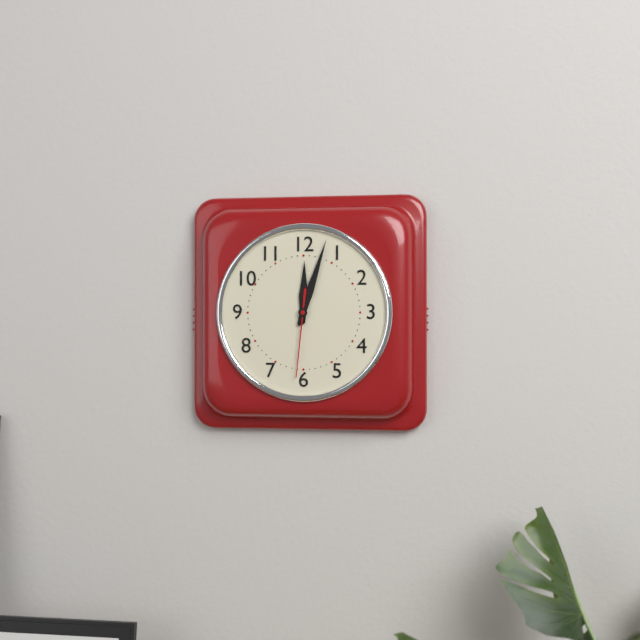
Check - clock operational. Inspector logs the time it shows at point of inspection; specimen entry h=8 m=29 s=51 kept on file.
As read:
h=12 m=3 s=31
